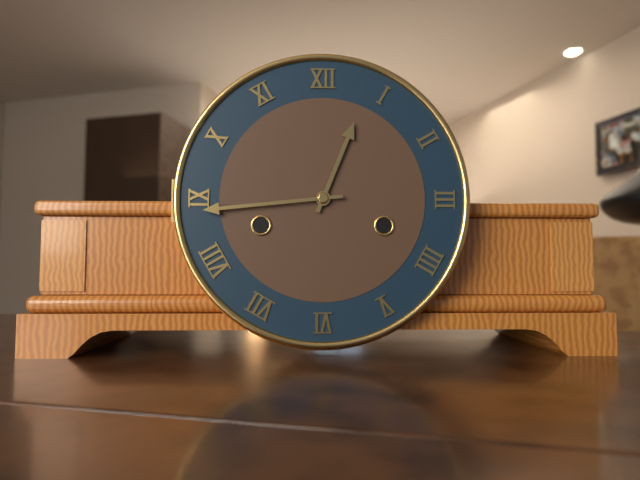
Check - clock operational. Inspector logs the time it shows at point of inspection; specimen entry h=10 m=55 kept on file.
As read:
h=12 m=44
